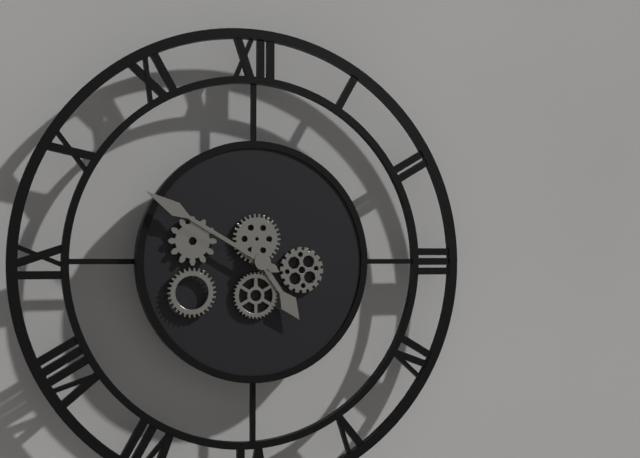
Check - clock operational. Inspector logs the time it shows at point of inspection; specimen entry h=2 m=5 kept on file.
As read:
h=4 m=50
